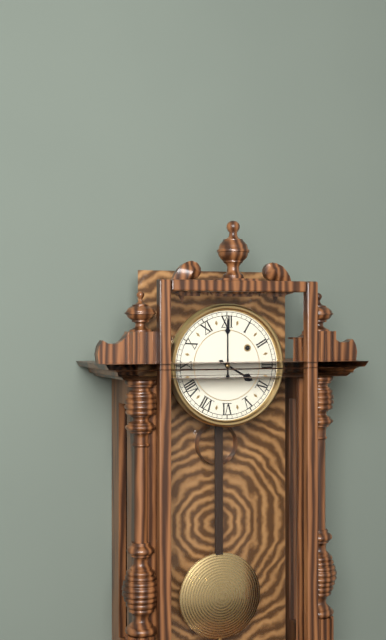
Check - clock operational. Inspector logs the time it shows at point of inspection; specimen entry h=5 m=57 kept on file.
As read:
h=4 m=0
